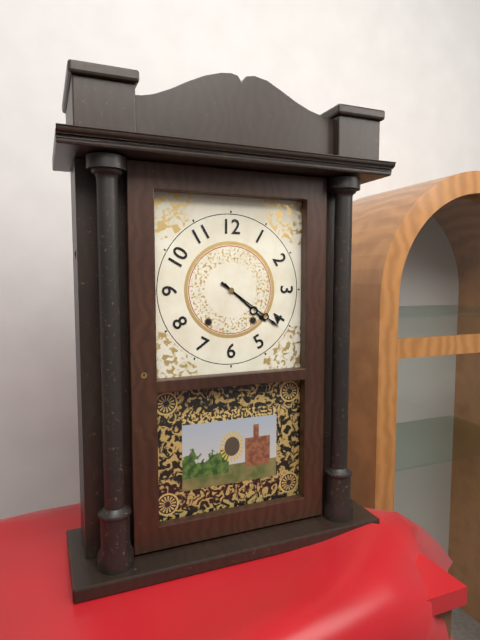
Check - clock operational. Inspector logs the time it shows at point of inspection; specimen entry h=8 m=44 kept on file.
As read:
h=4 m=21
